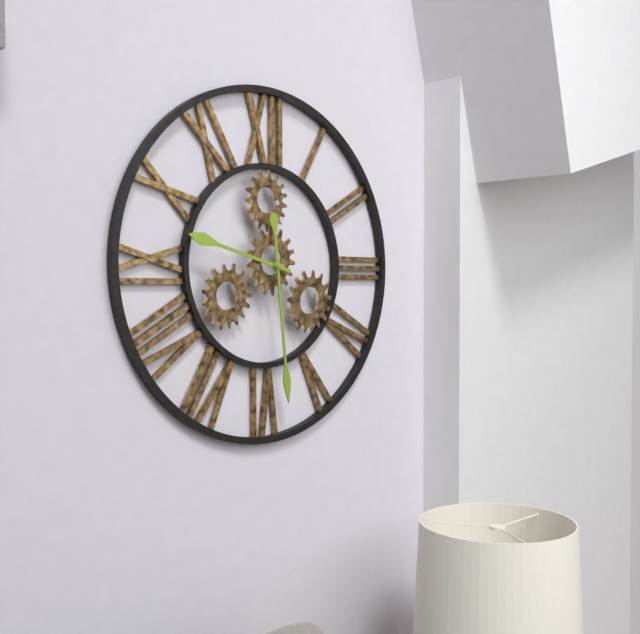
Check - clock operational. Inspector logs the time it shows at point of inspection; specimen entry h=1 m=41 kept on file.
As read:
h=9 m=29
